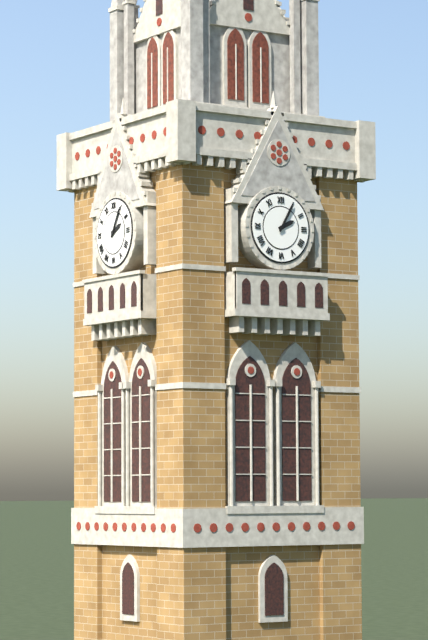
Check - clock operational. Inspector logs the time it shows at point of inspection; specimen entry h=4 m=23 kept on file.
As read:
h=2 m=5
